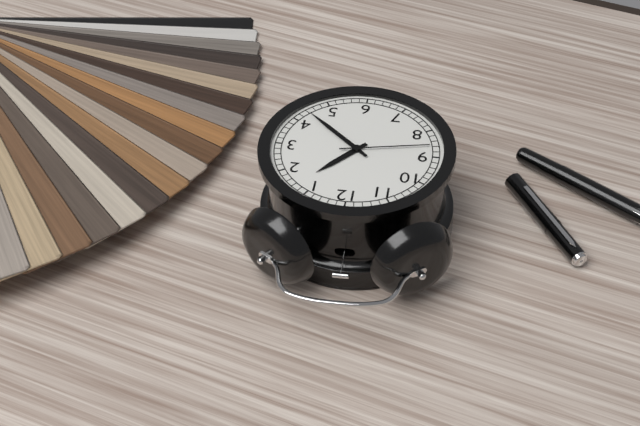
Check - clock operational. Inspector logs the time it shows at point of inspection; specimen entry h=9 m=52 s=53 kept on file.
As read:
h=1 m=22 s=43
